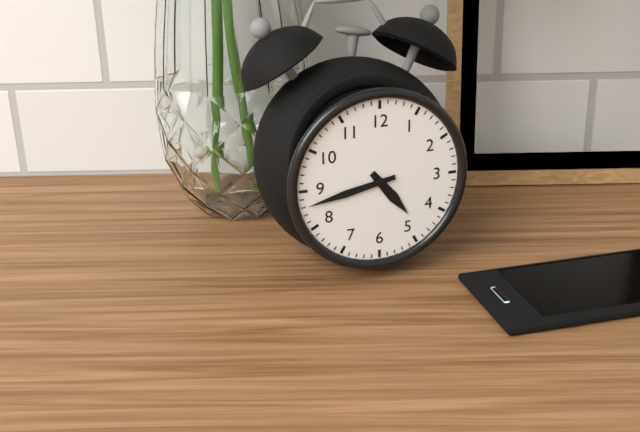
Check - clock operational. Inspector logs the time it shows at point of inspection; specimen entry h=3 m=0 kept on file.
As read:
h=4 m=43
